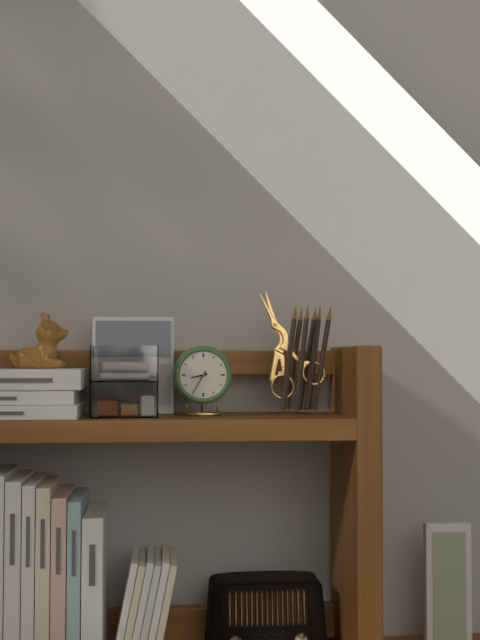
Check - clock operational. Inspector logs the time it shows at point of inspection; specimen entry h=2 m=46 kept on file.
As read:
h=8 m=35
